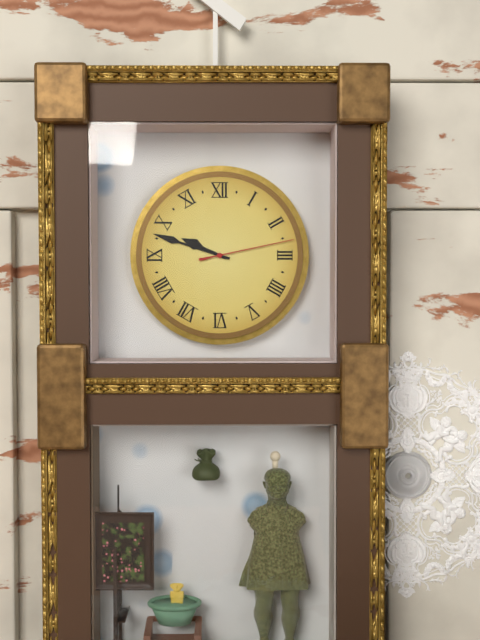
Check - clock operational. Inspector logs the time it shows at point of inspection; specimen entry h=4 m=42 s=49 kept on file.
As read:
h=9 m=48 s=13
